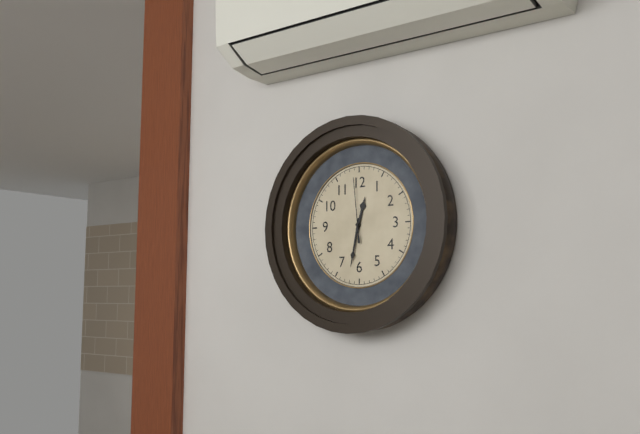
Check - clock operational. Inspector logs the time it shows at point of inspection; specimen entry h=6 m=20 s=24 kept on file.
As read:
h=12 m=32 s=59
